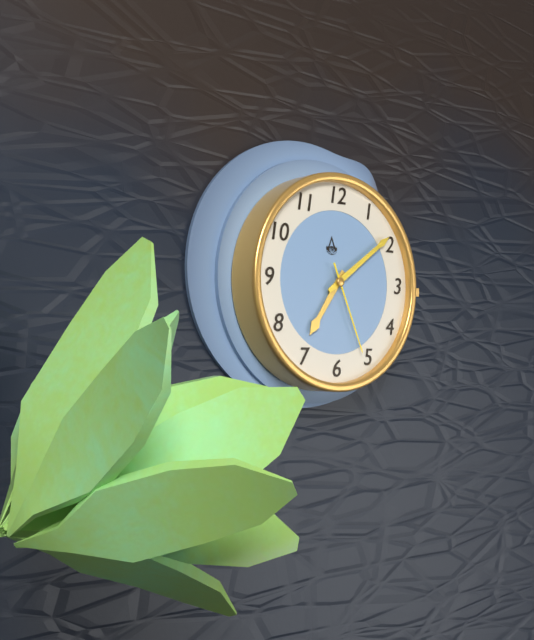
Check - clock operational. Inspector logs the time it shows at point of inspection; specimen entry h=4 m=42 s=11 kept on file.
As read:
h=7 m=9 s=26
